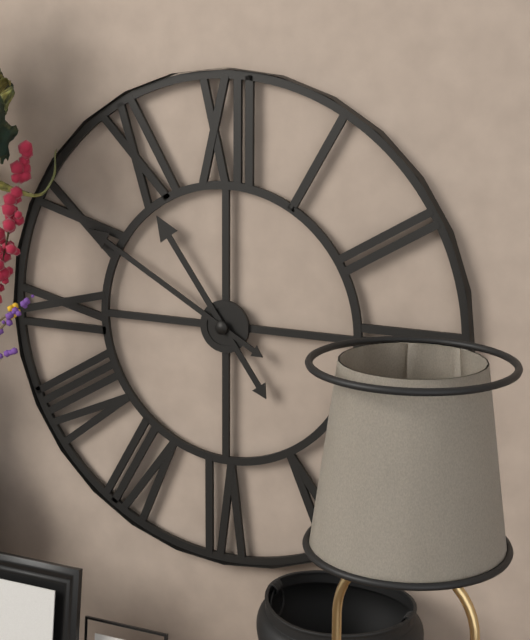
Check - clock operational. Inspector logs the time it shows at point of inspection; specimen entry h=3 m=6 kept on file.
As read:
h=10 m=50
